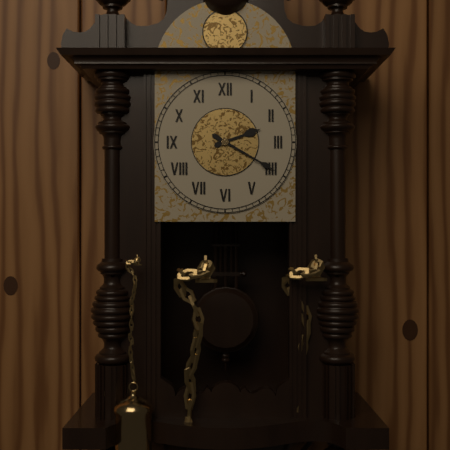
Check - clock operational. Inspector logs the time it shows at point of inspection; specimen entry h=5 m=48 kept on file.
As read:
h=2 m=20
